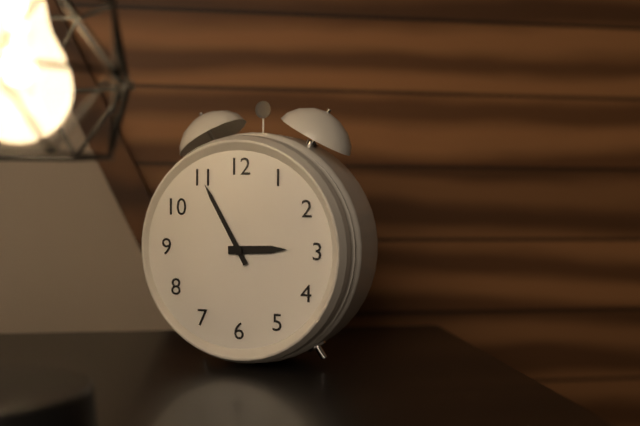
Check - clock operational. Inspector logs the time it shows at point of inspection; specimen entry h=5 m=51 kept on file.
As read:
h=2 m=55
